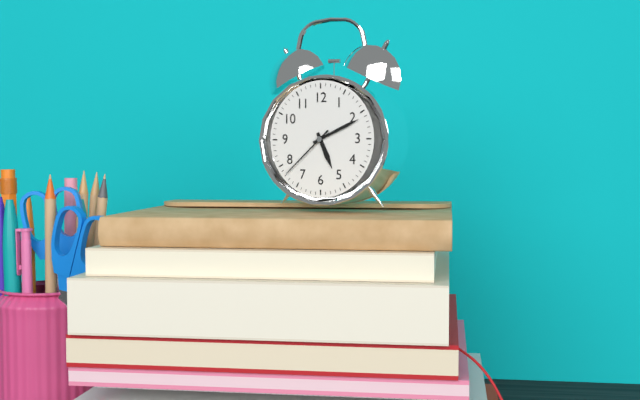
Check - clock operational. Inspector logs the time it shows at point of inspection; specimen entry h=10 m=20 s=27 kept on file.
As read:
h=5 m=11 s=38
